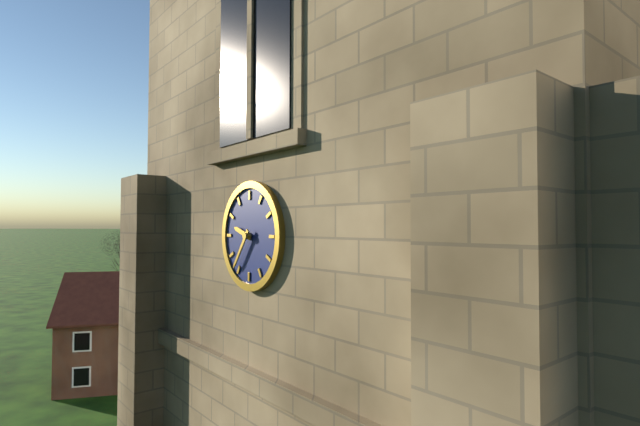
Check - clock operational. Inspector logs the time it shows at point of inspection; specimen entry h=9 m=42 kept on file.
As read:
h=9 m=36
